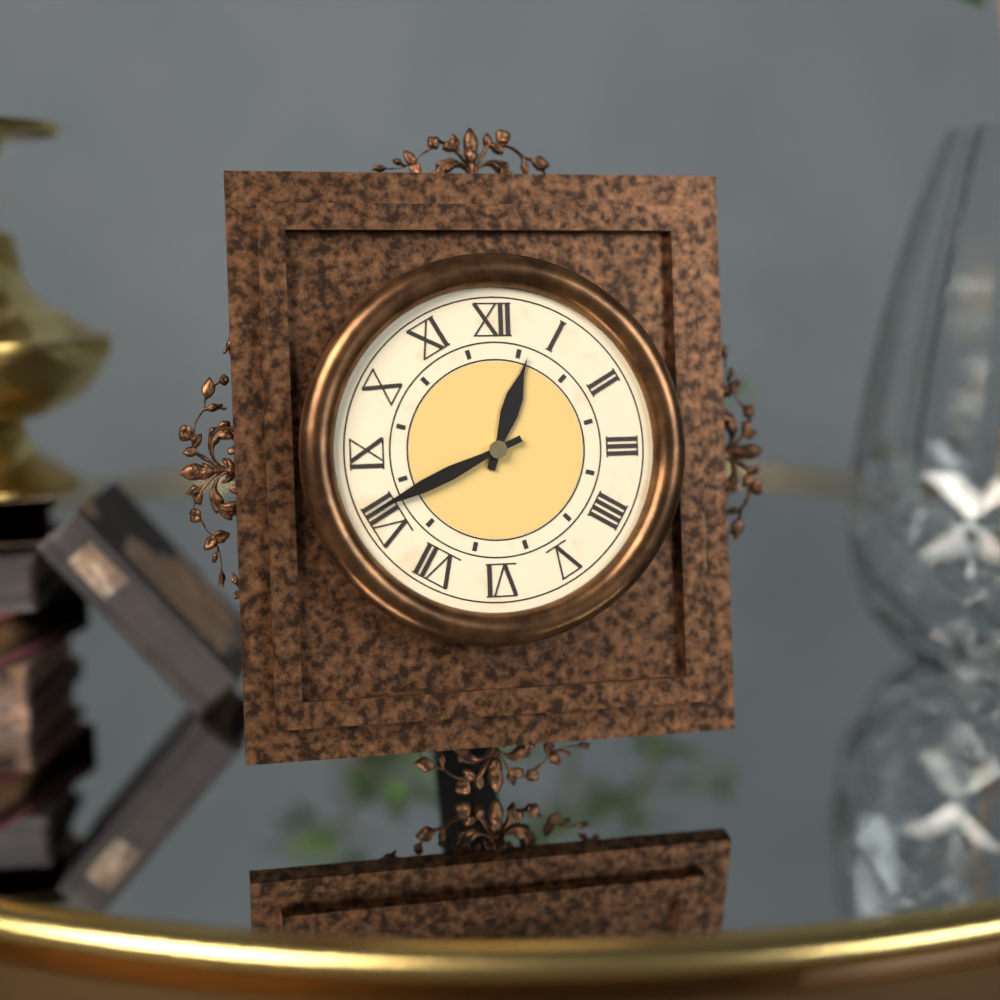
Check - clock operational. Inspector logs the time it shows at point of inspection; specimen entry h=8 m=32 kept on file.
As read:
h=12 m=41
